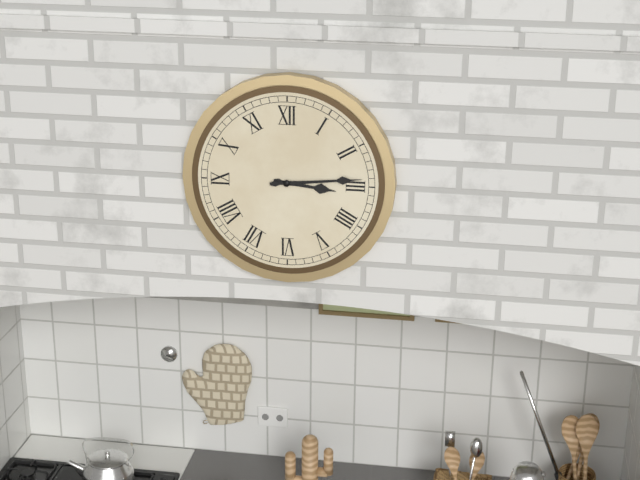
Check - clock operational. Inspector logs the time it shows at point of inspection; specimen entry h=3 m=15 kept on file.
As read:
h=3 m=14
